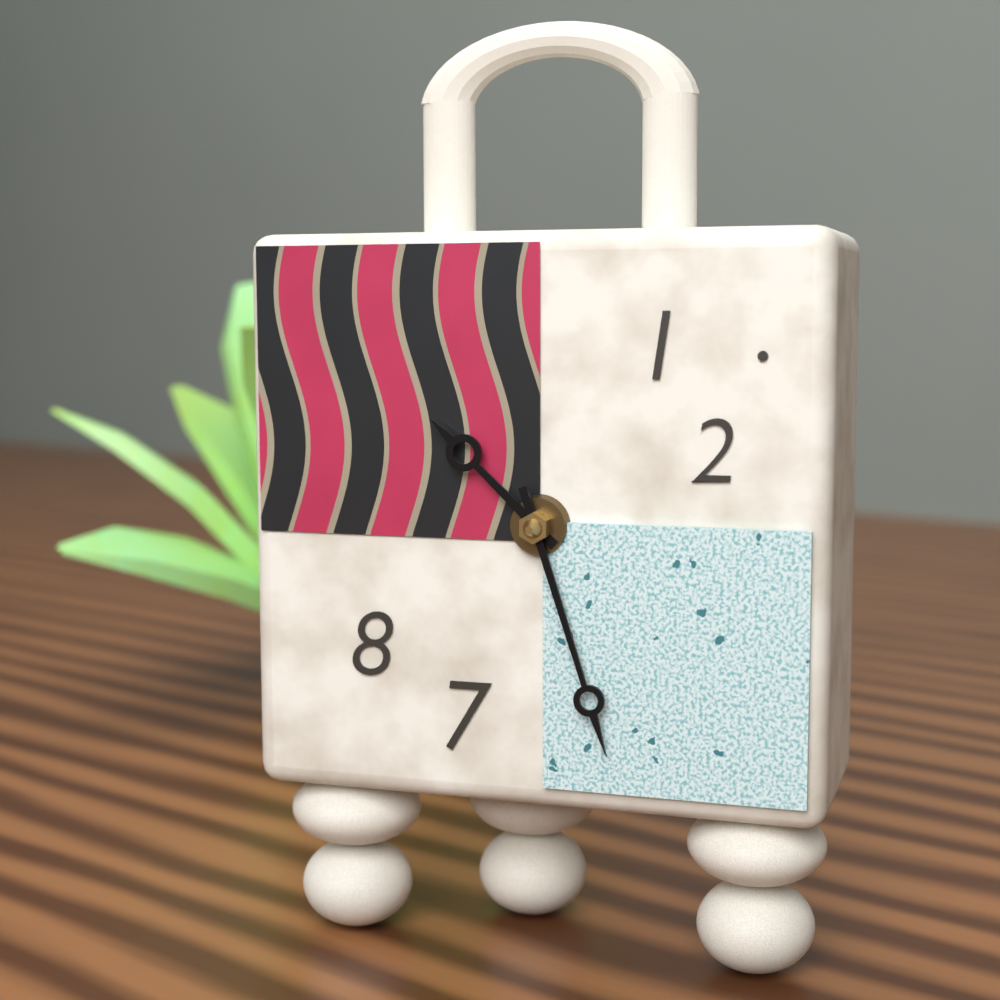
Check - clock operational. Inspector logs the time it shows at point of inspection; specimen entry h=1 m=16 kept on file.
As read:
h=10 m=27
